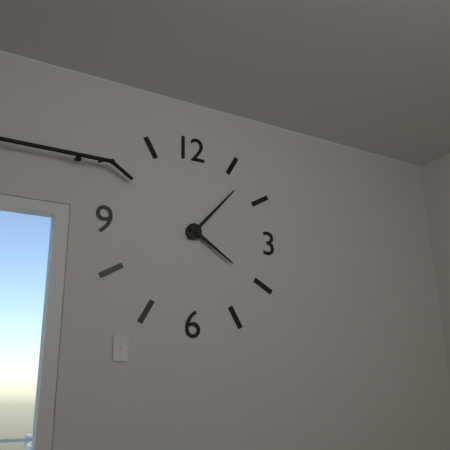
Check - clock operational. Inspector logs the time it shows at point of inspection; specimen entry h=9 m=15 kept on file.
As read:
h=4 m=7
